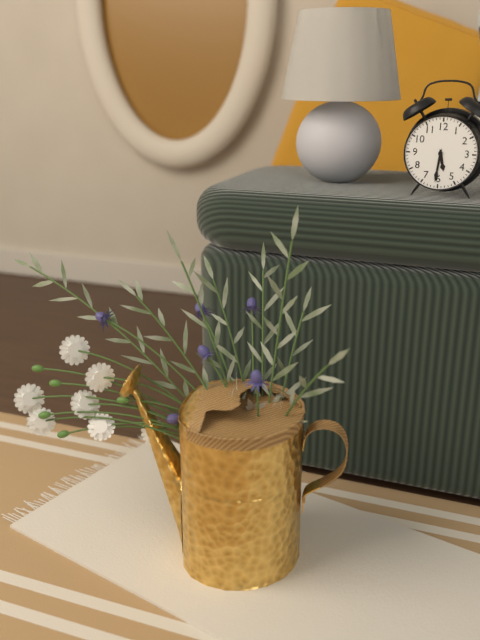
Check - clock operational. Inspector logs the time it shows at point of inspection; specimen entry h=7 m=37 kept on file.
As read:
h=5 m=31
